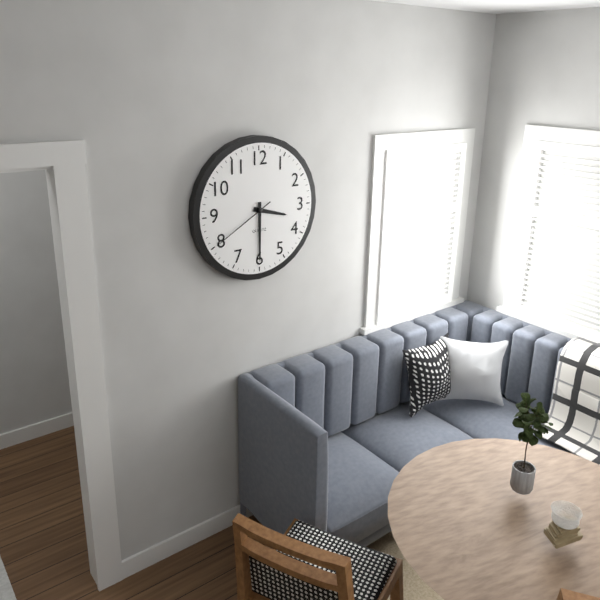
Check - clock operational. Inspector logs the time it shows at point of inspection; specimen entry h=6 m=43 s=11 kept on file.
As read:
h=3 m=30 s=40
